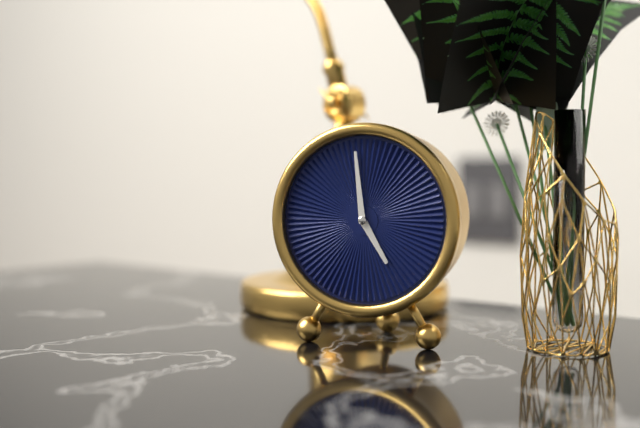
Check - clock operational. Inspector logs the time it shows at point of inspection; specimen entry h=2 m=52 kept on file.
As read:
h=4 m=59
